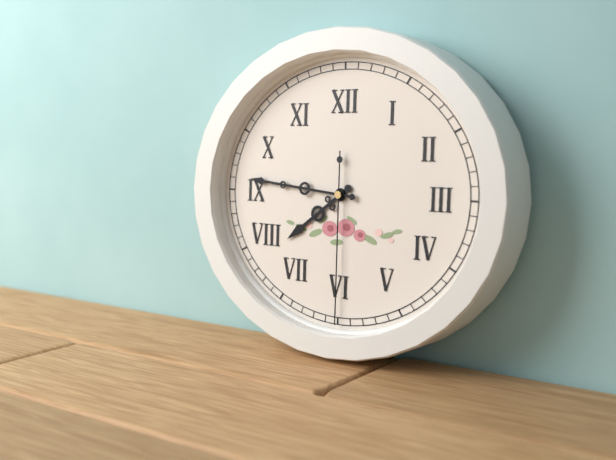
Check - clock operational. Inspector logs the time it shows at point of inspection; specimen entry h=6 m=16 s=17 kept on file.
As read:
h=7 m=46 s=30
